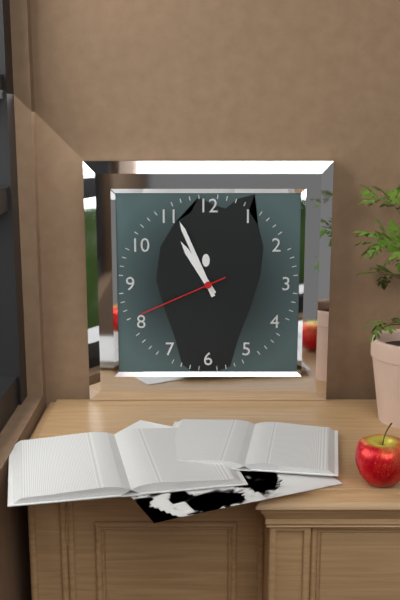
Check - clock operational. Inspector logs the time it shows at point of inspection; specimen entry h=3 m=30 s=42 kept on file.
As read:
h=10 m=56 s=41
